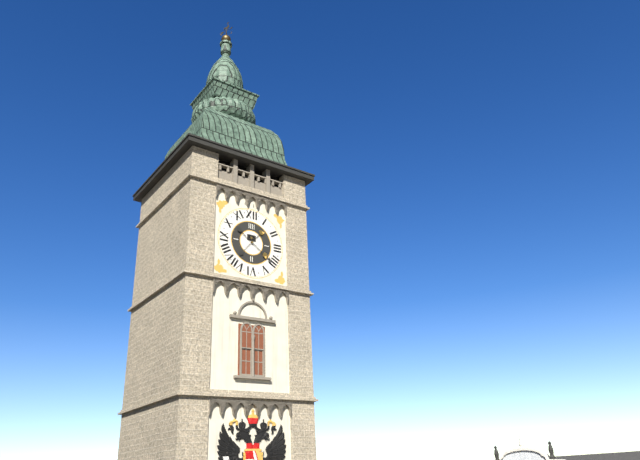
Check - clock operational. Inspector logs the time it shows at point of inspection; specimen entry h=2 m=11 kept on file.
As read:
h=1 m=21
